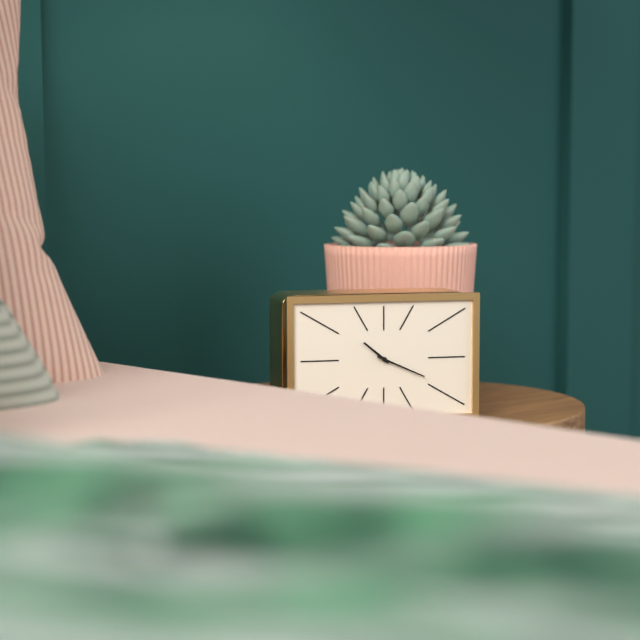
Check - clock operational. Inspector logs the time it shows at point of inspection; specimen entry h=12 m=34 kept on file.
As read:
h=10 m=19
